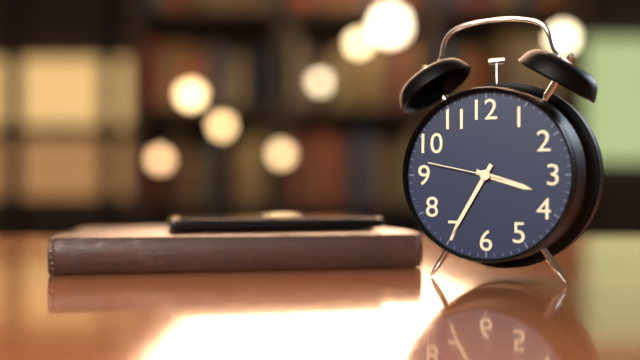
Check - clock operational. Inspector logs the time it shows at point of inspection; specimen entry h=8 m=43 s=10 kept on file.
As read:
h=3 m=35 s=47
